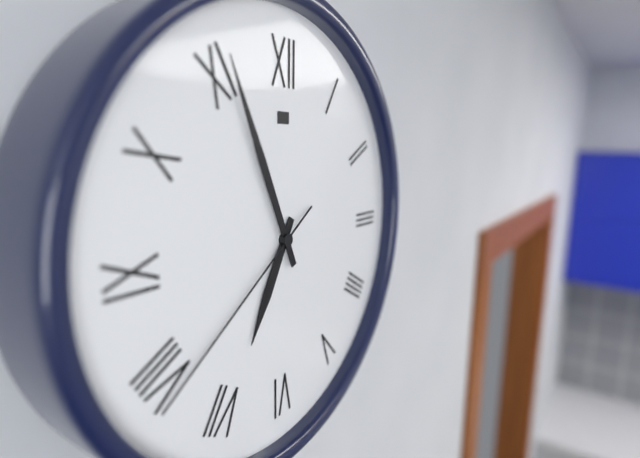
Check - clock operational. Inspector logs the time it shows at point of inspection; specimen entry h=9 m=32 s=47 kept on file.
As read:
h=6 m=56 s=39
